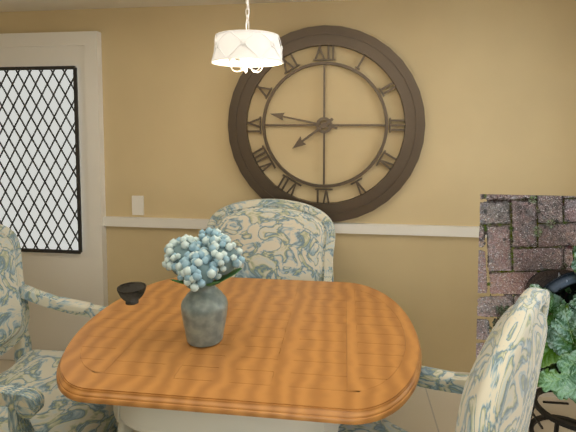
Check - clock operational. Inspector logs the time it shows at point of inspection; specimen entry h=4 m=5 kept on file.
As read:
h=7 m=47
